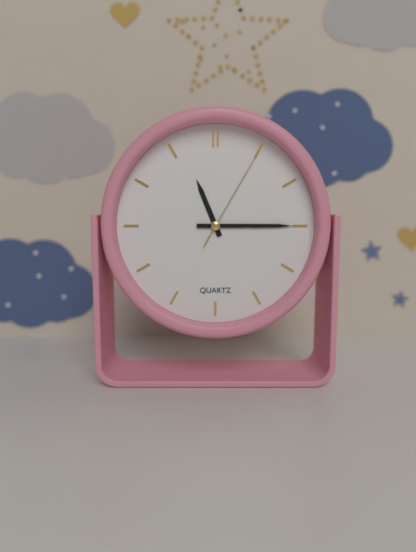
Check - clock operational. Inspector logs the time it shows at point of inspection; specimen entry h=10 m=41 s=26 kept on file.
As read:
h=11 m=15 s=5
